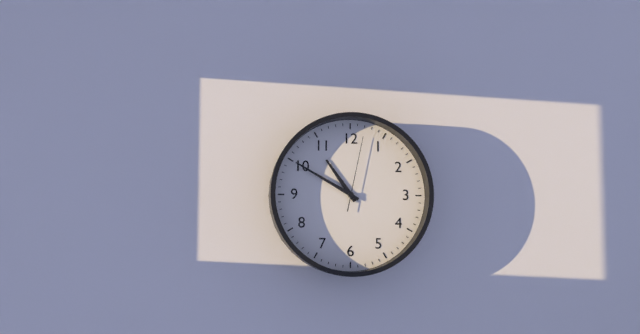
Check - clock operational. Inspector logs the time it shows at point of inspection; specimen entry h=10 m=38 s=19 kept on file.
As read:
h=10 m=50 s=2
